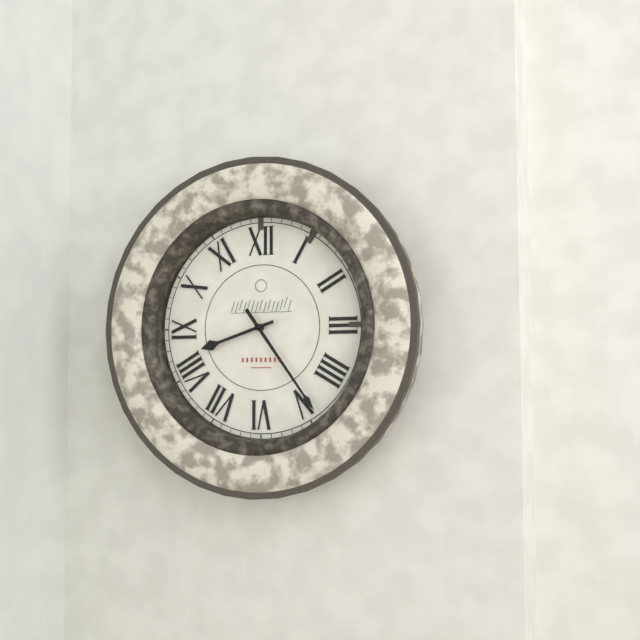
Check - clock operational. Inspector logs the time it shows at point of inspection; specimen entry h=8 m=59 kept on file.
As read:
h=8 m=24
